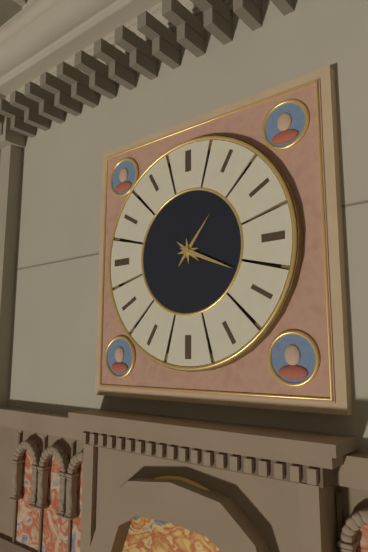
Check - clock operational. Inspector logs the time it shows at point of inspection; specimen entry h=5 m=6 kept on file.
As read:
h=1 m=19
